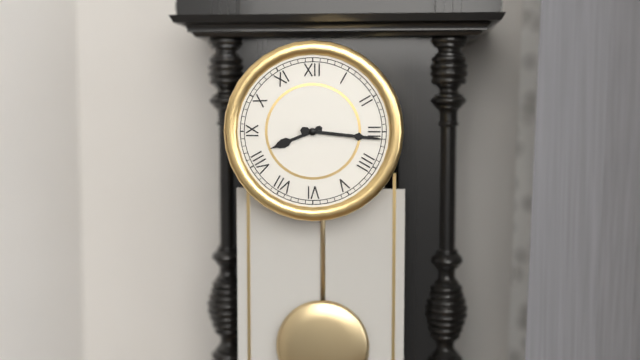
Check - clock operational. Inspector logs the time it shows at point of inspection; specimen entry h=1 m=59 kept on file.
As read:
h=8 m=16
